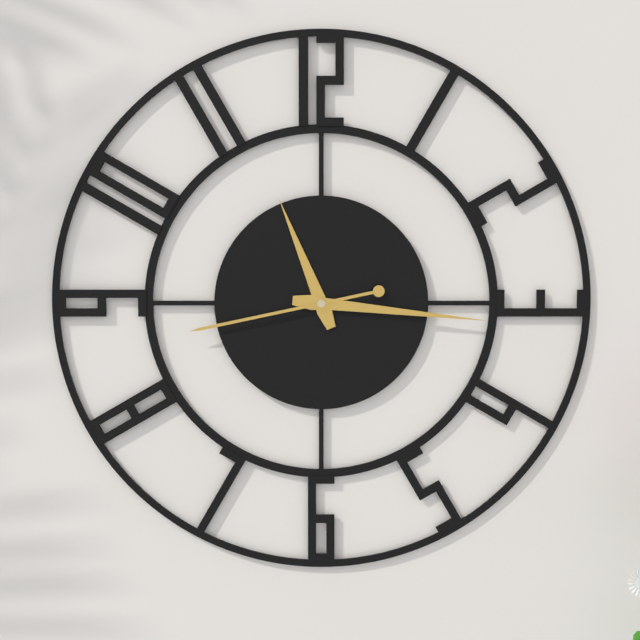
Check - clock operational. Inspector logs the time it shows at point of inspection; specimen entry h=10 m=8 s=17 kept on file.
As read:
h=11 m=16 s=43
